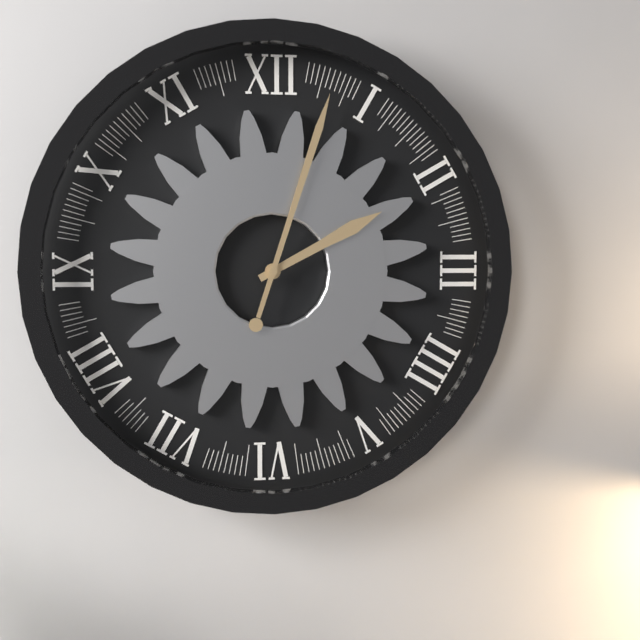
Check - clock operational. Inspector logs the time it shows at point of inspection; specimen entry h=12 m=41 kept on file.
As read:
h=2 m=3
